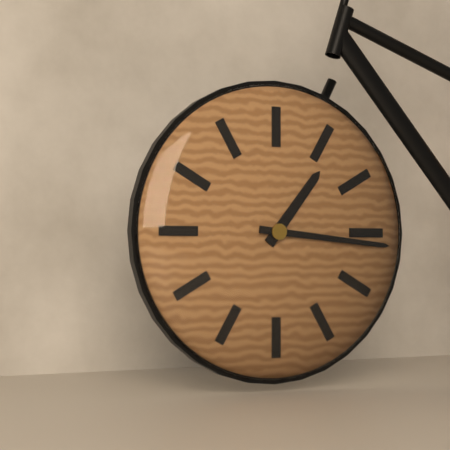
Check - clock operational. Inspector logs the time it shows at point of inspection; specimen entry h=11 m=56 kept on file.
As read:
h=1 m=16
